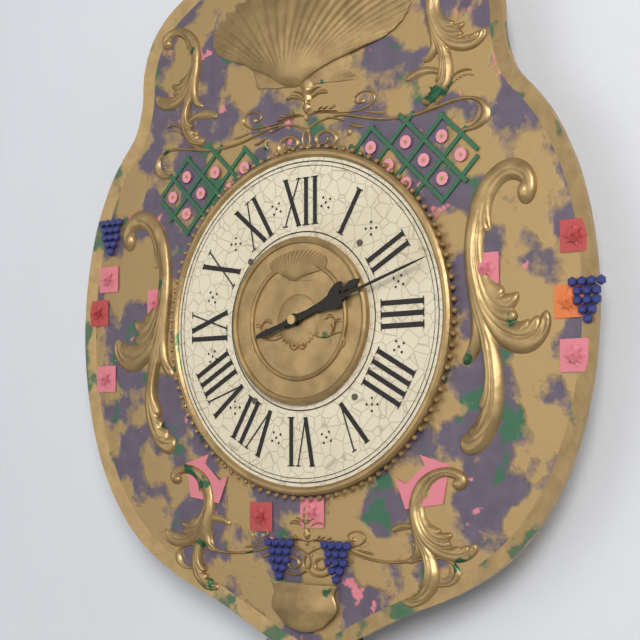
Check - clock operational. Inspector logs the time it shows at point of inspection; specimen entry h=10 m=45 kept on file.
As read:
h=2 m=12
